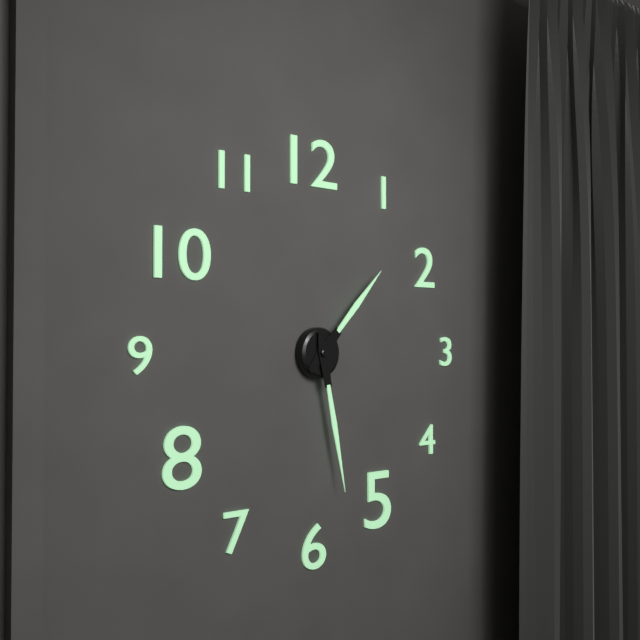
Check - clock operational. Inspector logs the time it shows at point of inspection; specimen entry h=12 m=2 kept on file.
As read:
h=1 m=28
